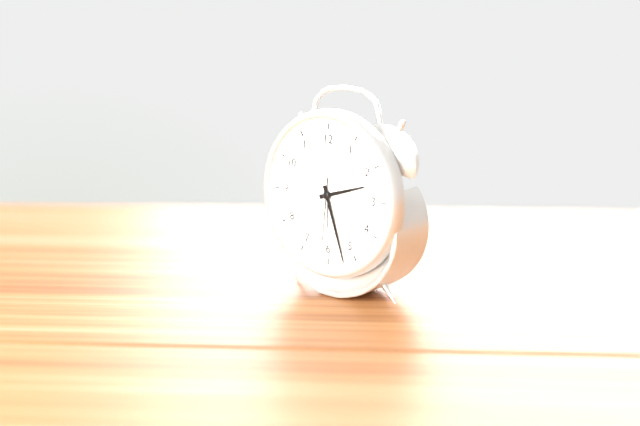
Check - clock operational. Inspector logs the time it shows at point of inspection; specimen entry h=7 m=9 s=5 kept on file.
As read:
h=2 m=27 s=31
